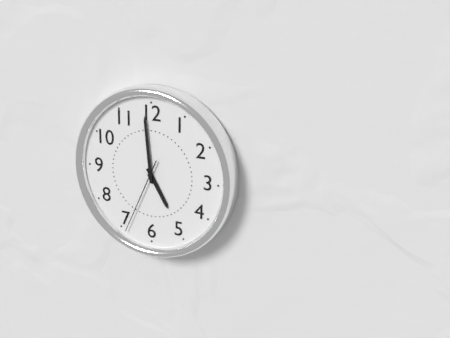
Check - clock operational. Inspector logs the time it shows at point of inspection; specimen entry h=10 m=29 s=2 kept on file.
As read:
h=4 m=59 s=34
